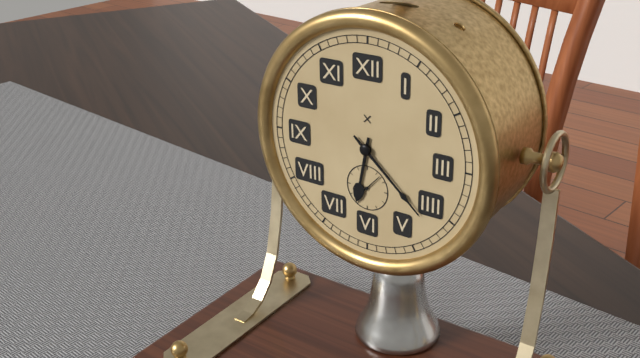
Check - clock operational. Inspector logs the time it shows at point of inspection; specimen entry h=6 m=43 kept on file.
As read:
h=6 m=22
